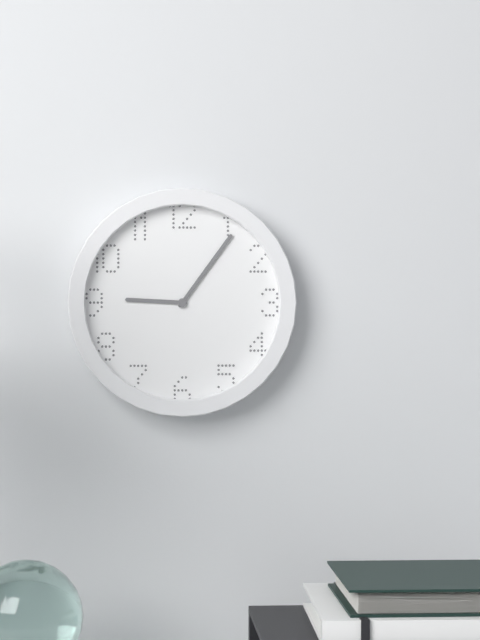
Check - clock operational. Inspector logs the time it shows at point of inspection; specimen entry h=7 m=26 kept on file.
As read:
h=9 m=6
